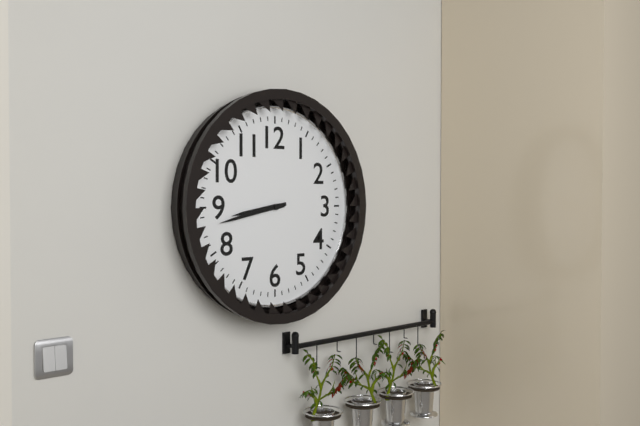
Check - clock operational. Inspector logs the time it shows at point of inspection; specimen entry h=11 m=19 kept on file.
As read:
h=8 m=43
